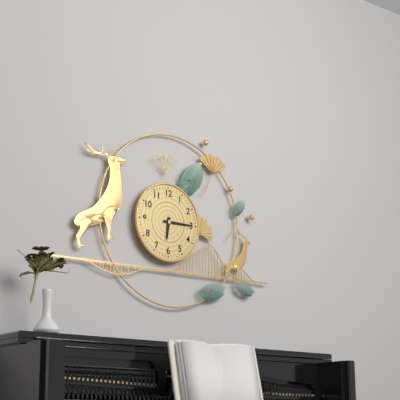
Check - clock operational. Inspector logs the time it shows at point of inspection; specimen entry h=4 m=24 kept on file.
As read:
h=6 m=15
